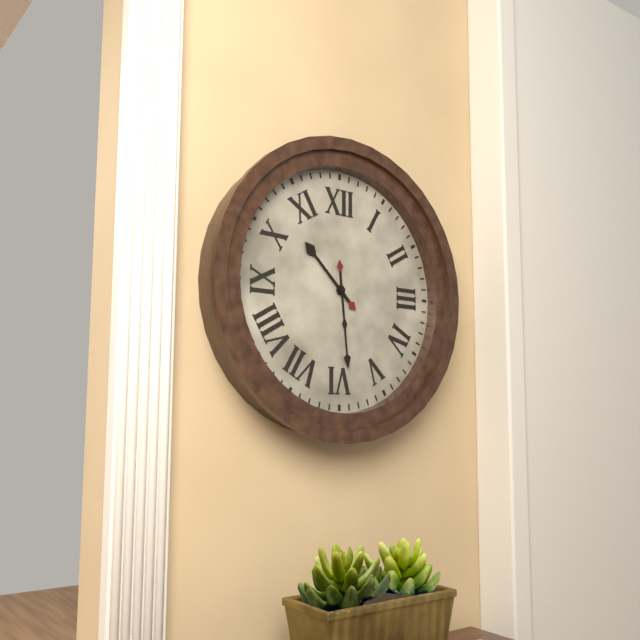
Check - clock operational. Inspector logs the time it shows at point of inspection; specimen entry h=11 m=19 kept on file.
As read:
h=10 m=29
